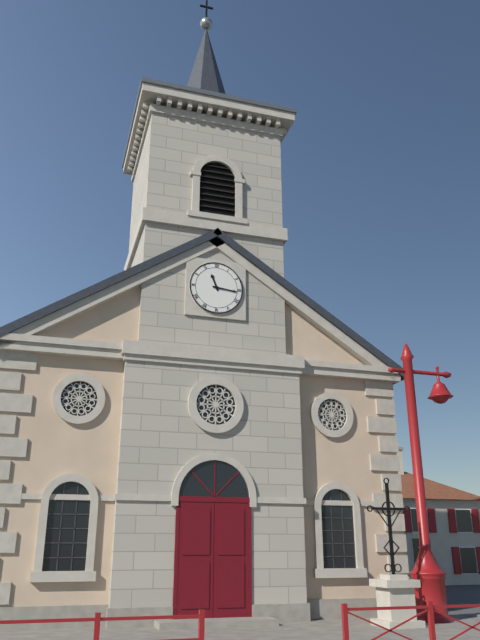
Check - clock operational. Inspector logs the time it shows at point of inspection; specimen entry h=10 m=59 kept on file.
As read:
h=11 m=16
